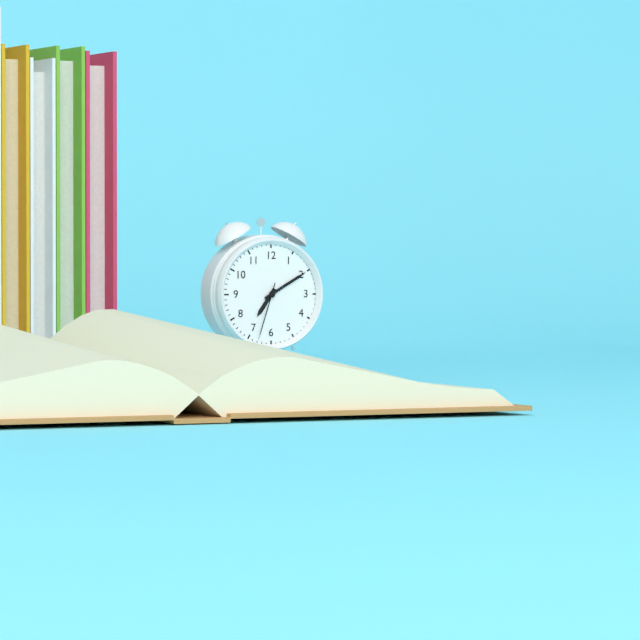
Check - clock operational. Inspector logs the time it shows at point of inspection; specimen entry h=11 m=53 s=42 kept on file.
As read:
h=7 m=10 s=33
